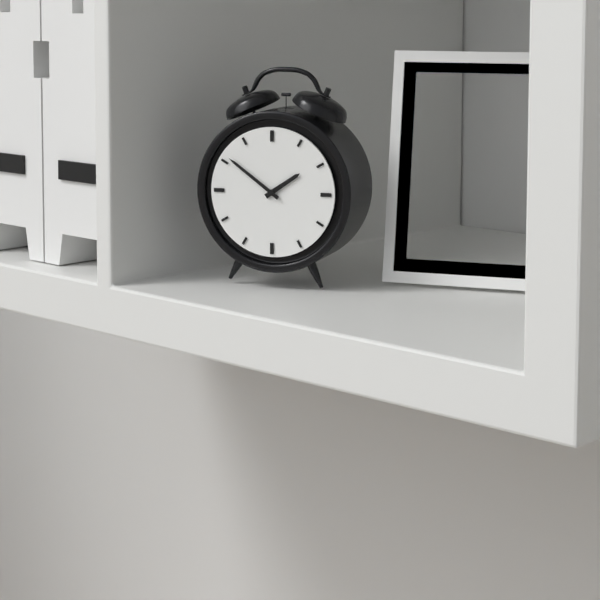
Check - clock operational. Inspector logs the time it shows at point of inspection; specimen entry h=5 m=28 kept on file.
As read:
h=1 m=51
